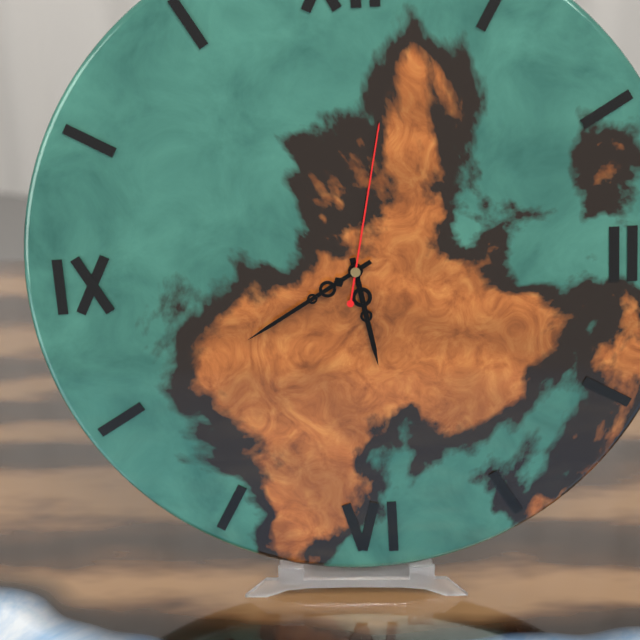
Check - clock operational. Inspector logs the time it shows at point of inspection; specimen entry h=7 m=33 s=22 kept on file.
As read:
h=5 m=40 s=2
